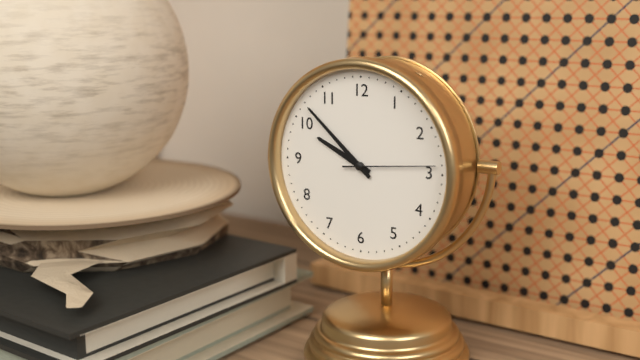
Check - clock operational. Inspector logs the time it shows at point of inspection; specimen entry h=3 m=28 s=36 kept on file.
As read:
h=9 m=52 s=14
